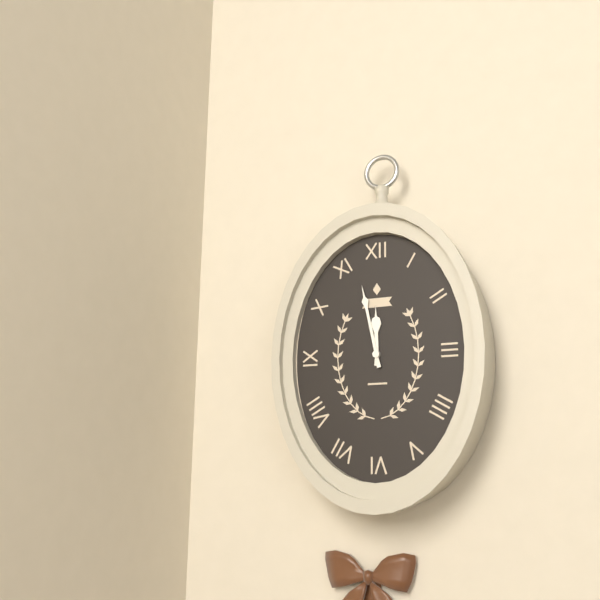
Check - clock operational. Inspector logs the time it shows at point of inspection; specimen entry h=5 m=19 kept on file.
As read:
h=11 m=58
